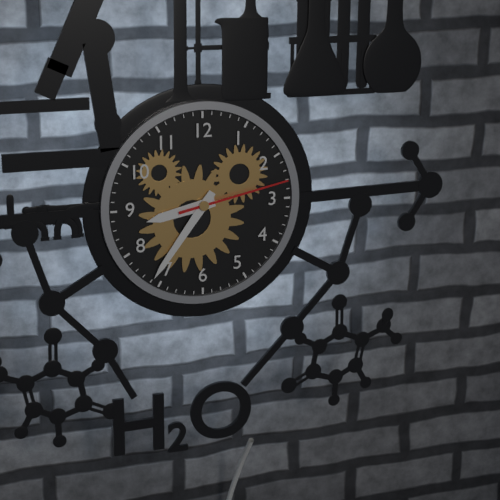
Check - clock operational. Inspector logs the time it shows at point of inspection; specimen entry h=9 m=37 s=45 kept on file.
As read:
h=8 m=36 s=13
